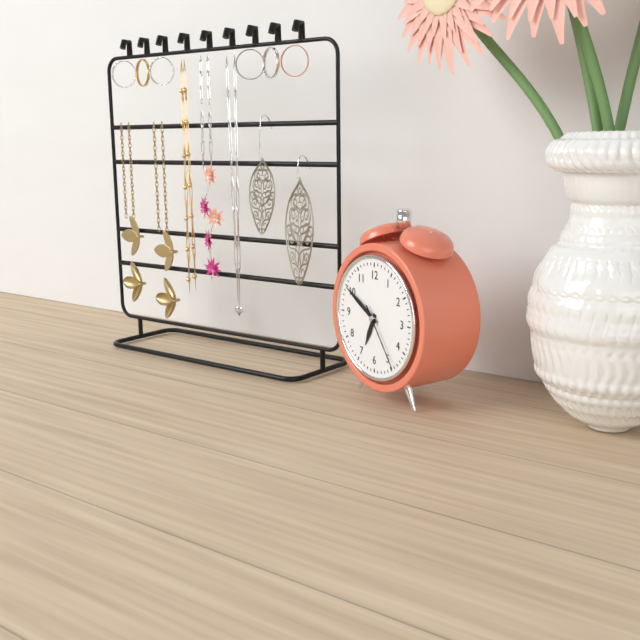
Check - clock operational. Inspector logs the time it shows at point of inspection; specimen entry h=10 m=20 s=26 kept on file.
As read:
h=6 m=50 s=24
